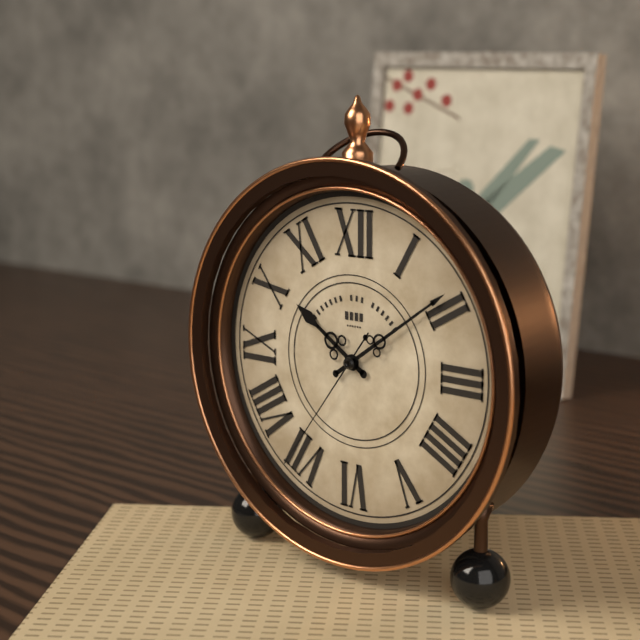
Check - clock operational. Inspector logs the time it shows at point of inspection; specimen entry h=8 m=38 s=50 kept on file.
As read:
h=10 m=9 s=36
